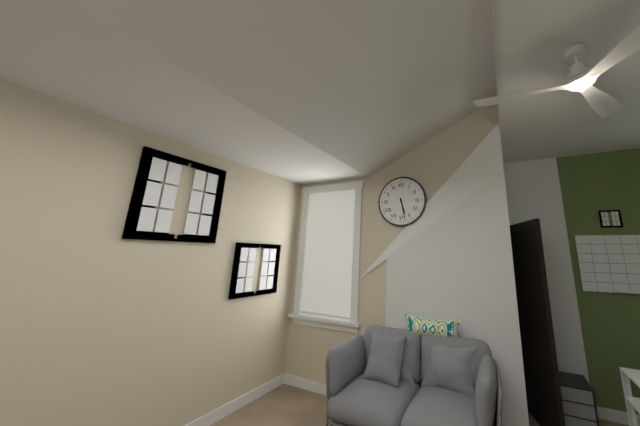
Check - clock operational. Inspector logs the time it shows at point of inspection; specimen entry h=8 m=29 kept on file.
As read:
h=5 m=28
